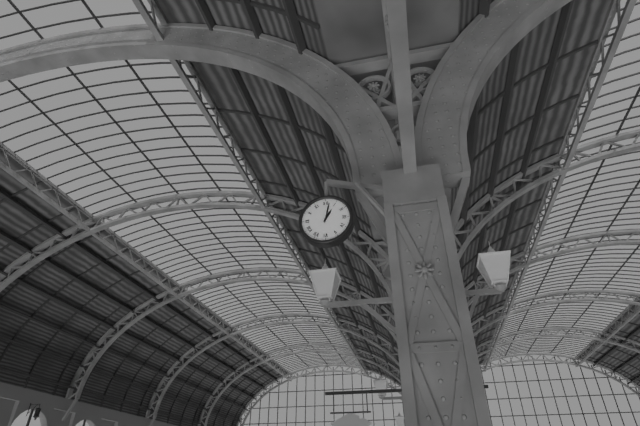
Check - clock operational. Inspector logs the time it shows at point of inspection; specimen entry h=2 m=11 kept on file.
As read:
h=1 m=2
